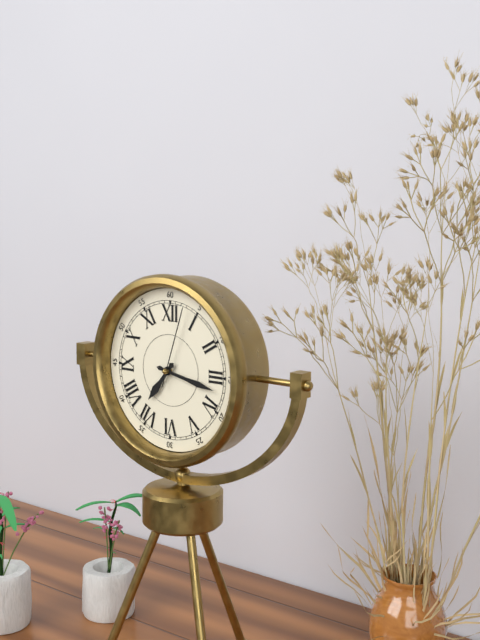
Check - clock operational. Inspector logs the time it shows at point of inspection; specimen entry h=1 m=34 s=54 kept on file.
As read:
h=7 m=17 s=3
